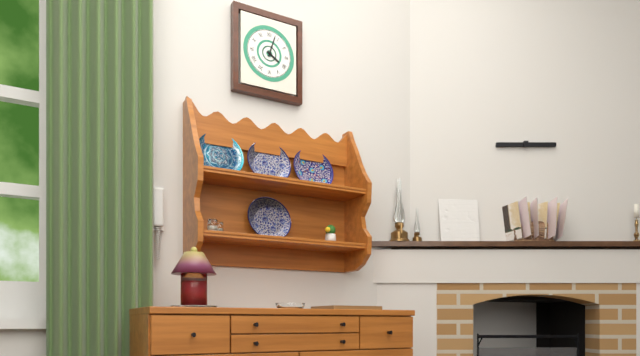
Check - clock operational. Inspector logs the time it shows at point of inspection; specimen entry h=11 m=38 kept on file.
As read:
h=4 m=3
